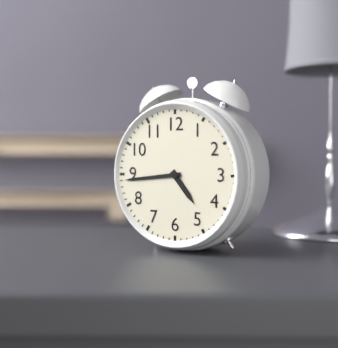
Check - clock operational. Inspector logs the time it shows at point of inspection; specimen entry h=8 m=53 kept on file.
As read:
h=4 m=44
